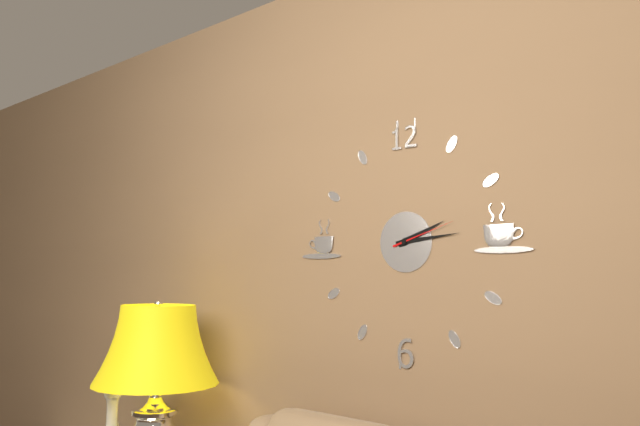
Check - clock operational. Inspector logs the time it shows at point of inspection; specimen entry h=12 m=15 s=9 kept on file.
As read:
h=2 m=14 s=12
